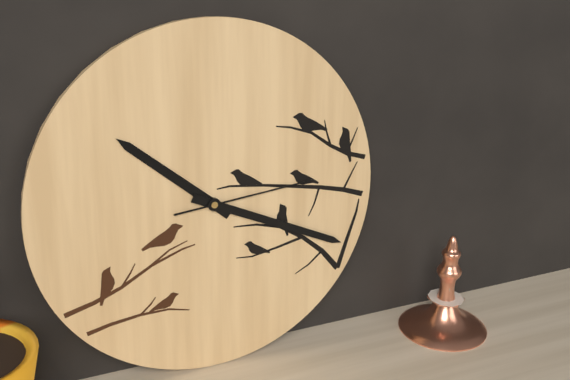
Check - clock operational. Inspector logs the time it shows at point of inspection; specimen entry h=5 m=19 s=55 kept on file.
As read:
h=10 m=19 s=14
